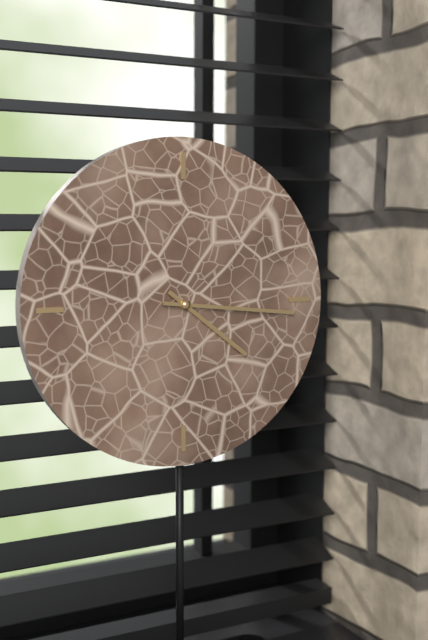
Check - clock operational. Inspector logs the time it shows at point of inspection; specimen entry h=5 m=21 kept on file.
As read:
h=4 m=16
